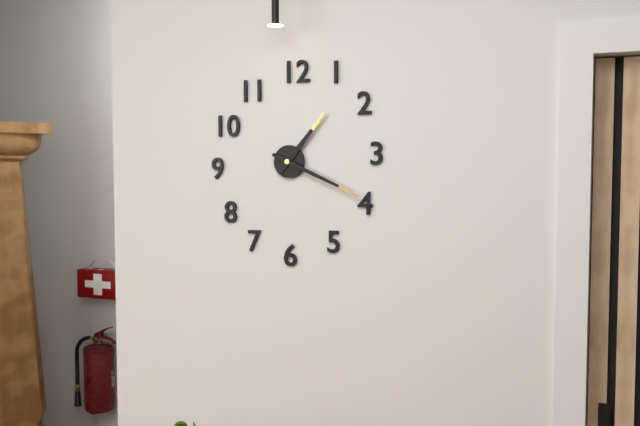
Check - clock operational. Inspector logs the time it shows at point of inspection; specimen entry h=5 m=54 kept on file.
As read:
h=1 m=19
